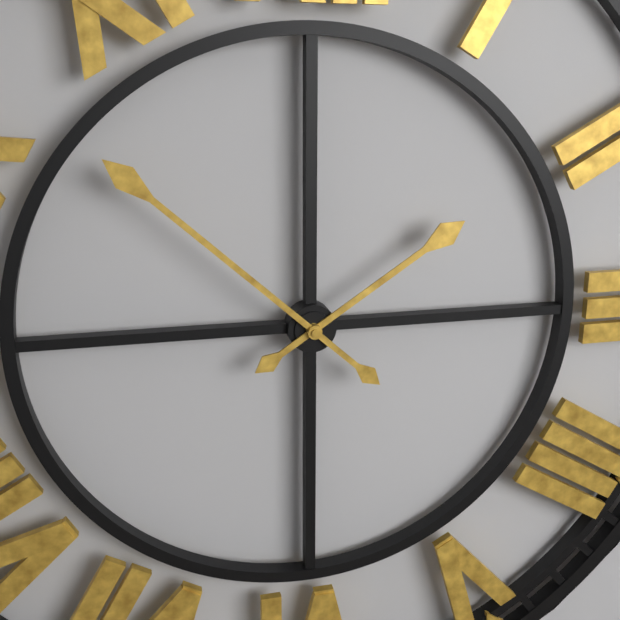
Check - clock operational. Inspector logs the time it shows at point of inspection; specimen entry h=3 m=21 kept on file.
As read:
h=1 m=52
